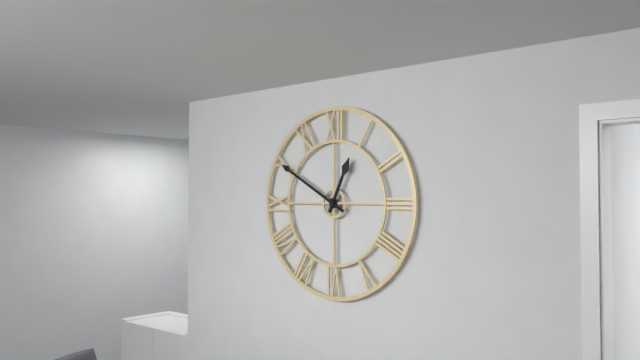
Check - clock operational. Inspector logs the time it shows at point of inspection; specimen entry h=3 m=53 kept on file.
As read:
h=12 m=50
